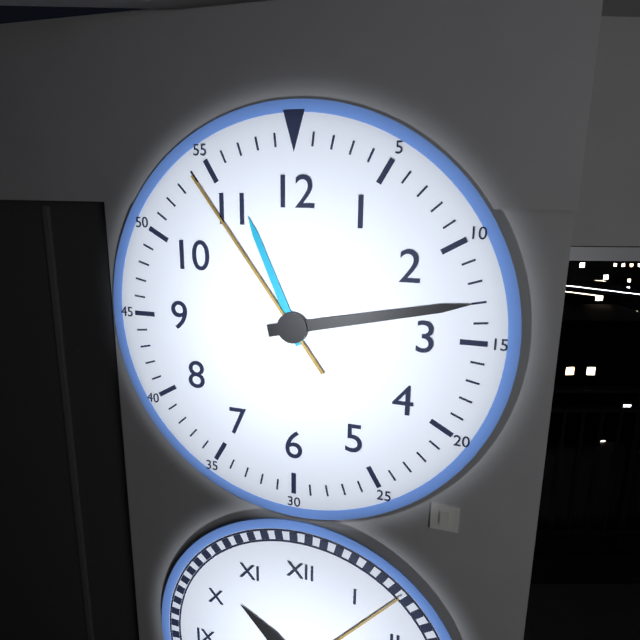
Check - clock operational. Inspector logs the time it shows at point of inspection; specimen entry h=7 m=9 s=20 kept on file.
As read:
h=11 m=13 s=54
